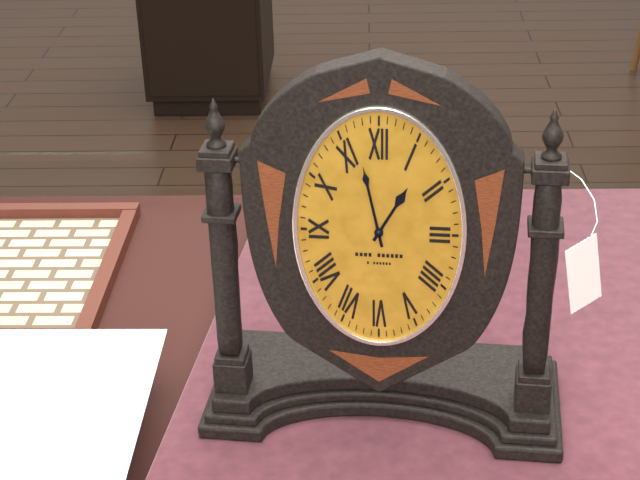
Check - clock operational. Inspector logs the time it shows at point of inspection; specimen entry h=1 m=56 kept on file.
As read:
h=12 m=58
